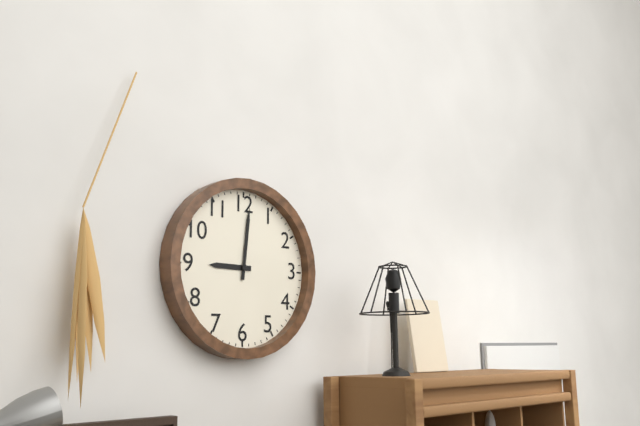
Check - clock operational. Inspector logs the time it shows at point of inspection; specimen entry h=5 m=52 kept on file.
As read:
h=9 m=1
